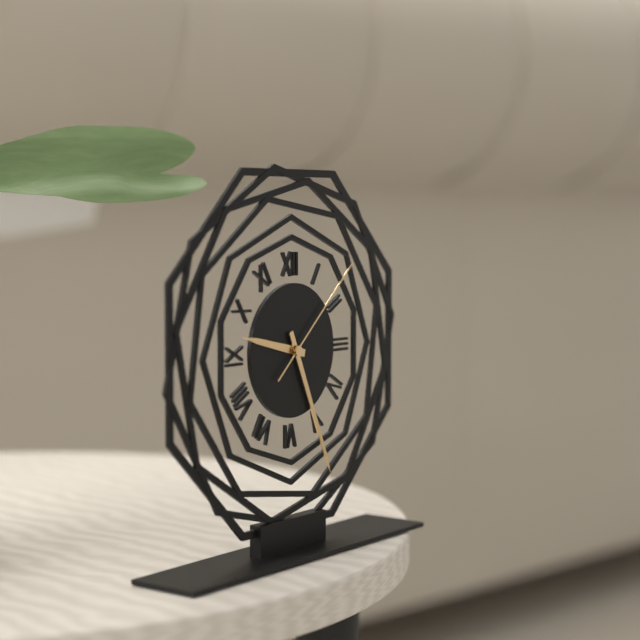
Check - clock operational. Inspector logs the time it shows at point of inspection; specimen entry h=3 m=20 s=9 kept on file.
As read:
h=9 m=26 s=8
